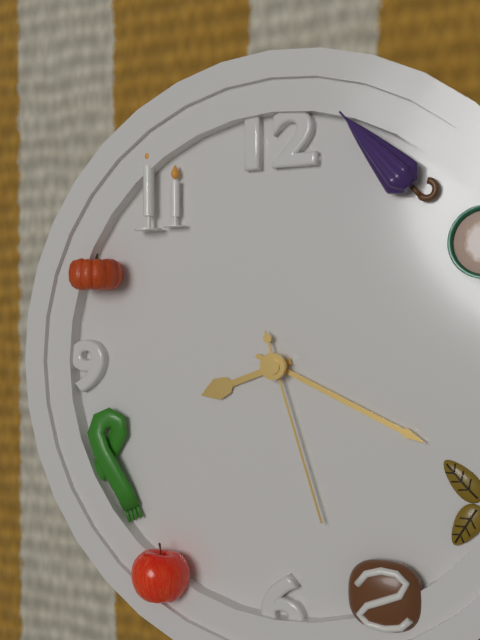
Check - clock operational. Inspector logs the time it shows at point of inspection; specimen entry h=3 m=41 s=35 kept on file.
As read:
h=8 m=19 s=27
